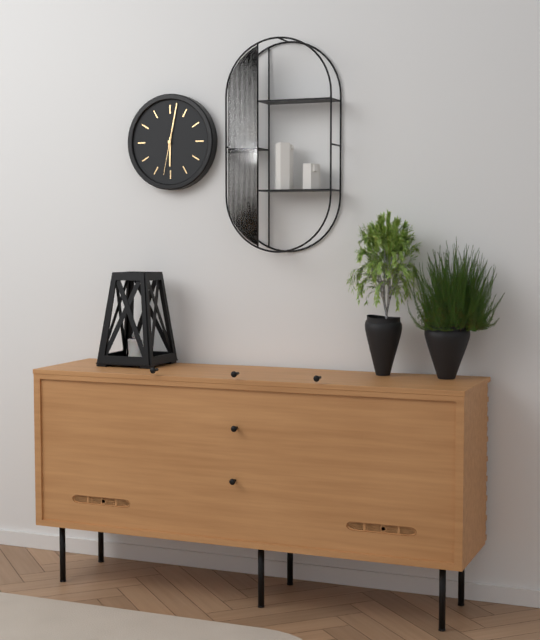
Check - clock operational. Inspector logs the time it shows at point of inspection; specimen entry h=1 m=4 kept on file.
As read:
h=6 m=2
